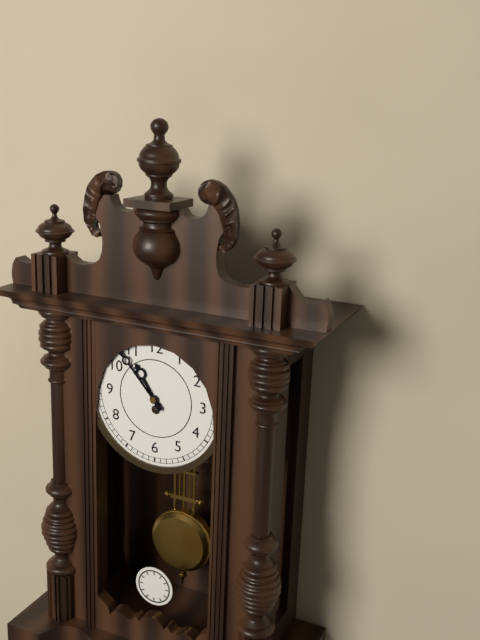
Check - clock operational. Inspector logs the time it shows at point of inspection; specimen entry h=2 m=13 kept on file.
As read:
h=10 m=53
